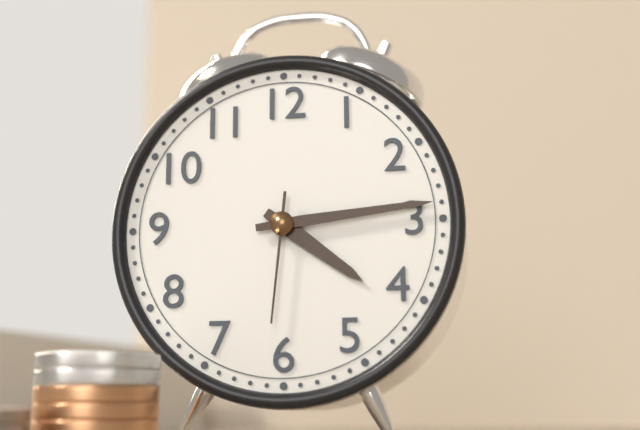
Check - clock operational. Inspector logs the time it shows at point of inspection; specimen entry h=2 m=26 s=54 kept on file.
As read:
h=4 m=14 s=31
